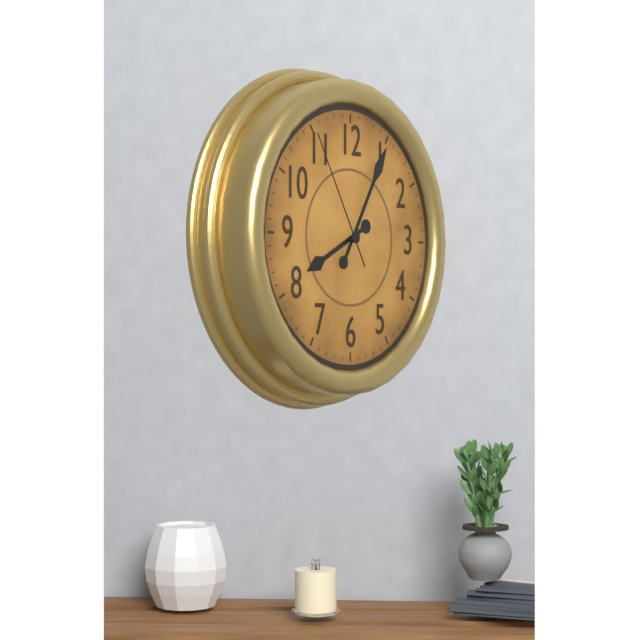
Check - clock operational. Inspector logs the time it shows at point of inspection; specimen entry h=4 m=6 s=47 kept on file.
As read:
h=8 m=5 s=55
